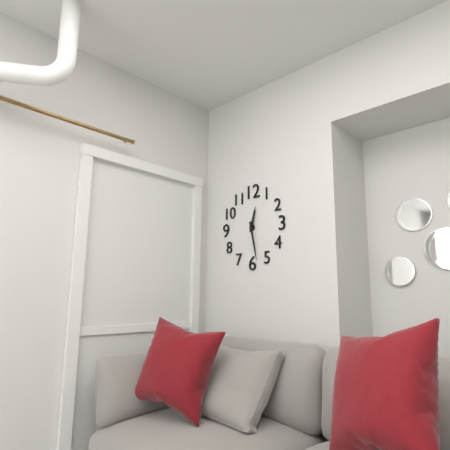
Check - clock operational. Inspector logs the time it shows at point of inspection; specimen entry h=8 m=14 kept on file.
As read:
h=12 m=28
